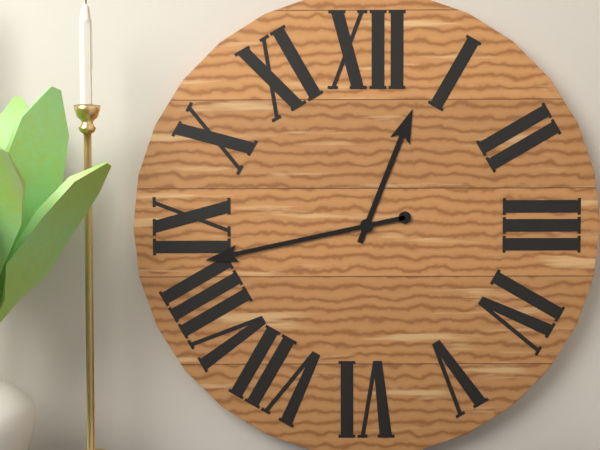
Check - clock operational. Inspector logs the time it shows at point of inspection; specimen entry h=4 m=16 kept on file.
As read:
h=12 m=43
